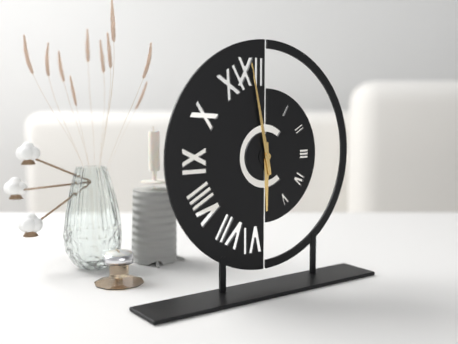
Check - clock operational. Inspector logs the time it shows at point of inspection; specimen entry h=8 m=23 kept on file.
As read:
h=5 m=58
